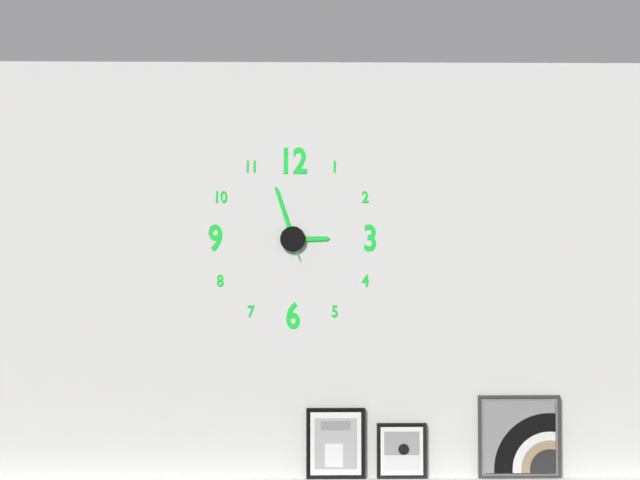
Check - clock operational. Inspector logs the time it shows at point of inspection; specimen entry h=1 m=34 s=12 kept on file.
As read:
h=2 m=57 s=57
